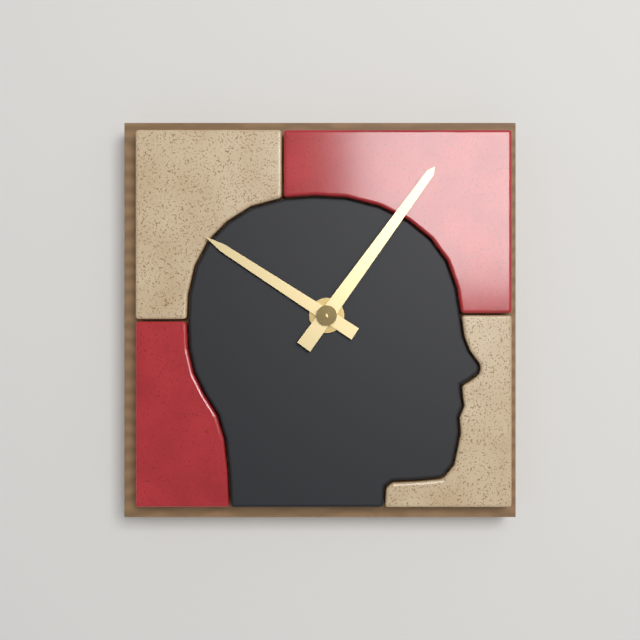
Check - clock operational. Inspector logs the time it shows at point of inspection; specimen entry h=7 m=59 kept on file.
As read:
h=10 m=6
